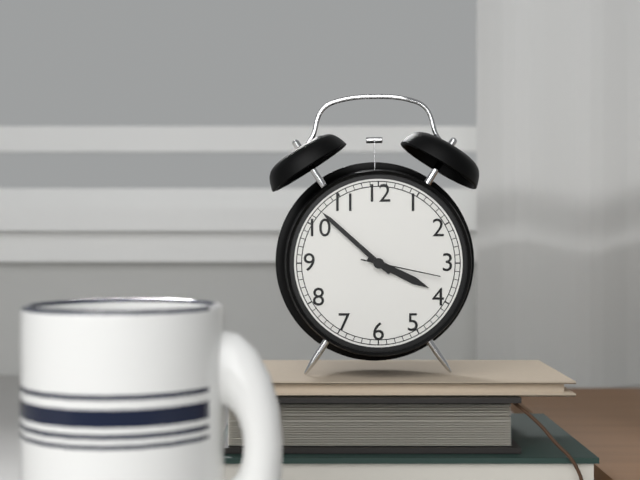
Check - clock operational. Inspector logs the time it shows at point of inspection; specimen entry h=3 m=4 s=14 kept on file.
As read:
h=3 m=52 s=17
